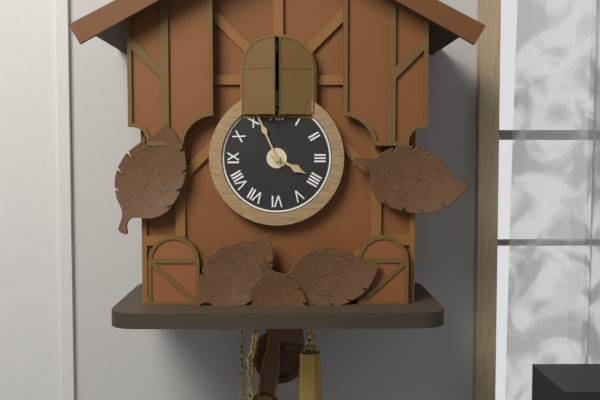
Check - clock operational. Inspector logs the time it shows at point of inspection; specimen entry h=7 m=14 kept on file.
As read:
h=3 m=56
